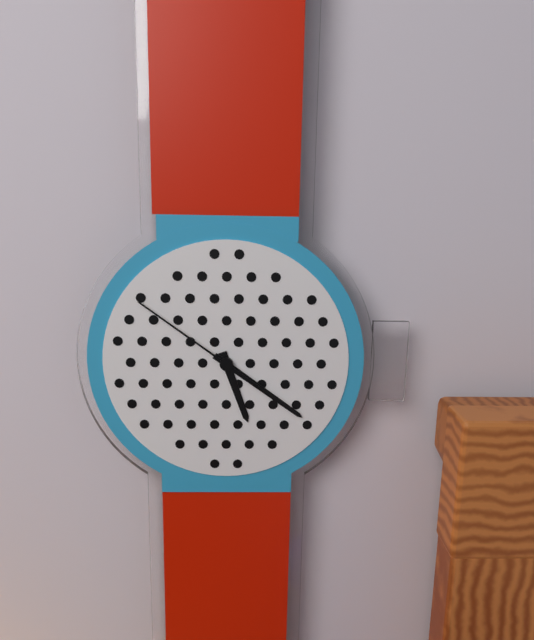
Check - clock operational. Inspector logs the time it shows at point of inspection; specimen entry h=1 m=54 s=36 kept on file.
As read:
h=5 m=21 s=51
